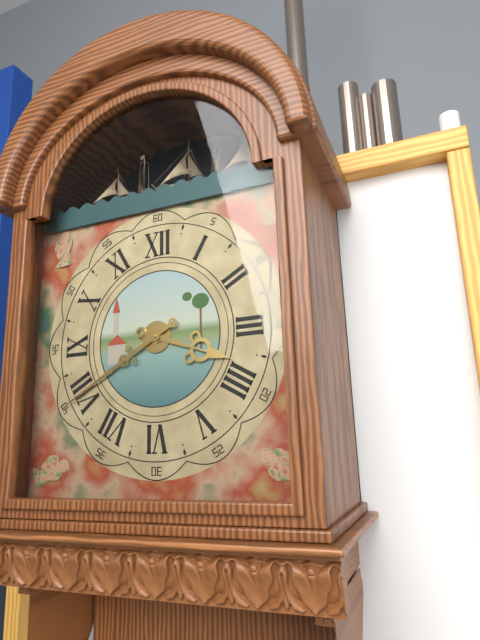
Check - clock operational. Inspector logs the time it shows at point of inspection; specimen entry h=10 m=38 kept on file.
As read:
h=3 m=40
